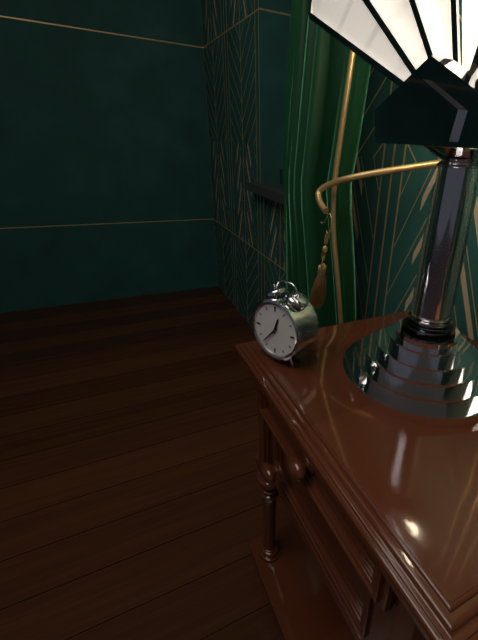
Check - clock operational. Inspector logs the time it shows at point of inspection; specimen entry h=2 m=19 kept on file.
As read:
h=12 m=37
